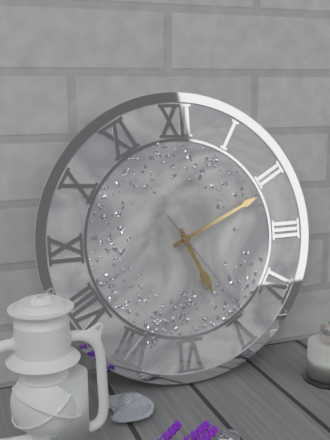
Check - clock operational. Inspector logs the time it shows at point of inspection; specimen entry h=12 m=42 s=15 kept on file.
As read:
h=5 m=11 s=24
